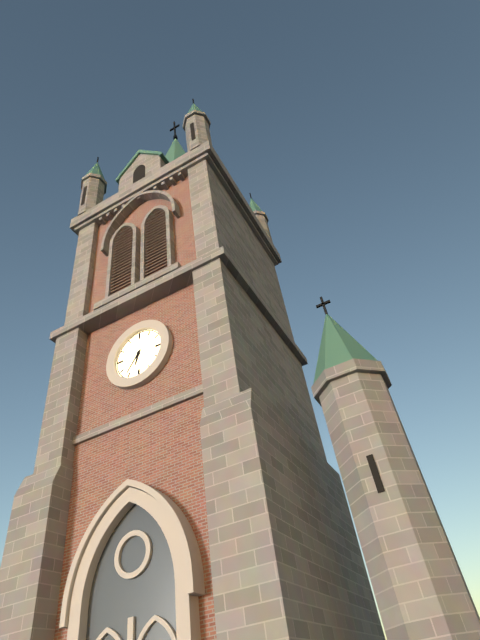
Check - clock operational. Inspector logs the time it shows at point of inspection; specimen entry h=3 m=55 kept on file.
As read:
h=6 m=36
